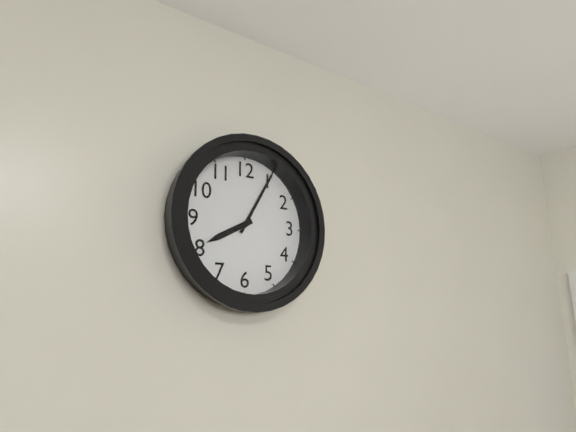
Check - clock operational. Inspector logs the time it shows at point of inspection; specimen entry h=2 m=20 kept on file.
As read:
h=8 m=5
